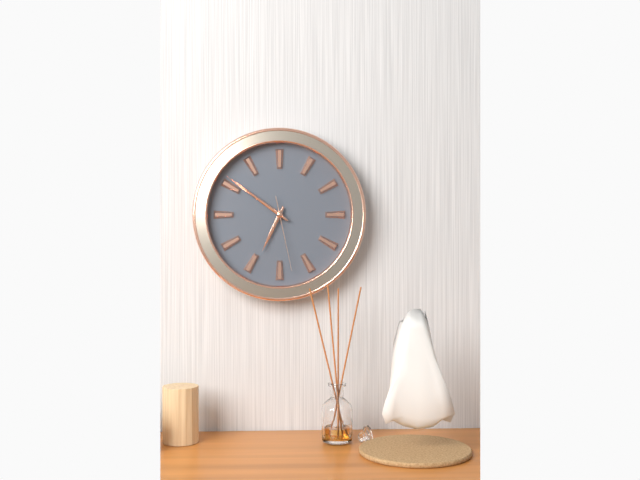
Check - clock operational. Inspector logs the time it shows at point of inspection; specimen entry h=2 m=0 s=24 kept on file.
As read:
h=6 m=51 s=28
